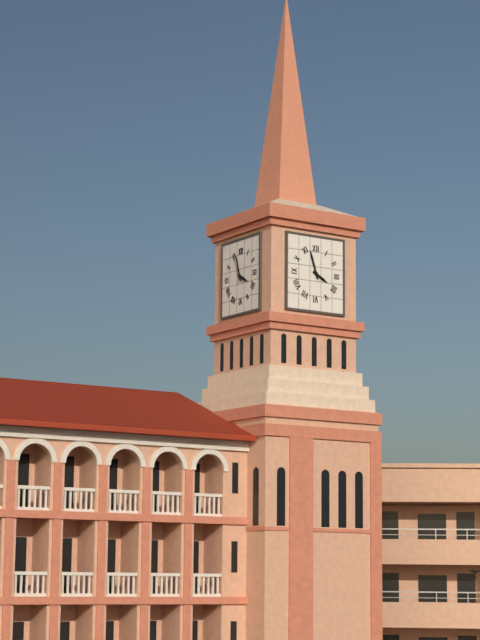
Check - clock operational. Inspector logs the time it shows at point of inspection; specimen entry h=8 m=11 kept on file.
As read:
h=3 m=57
